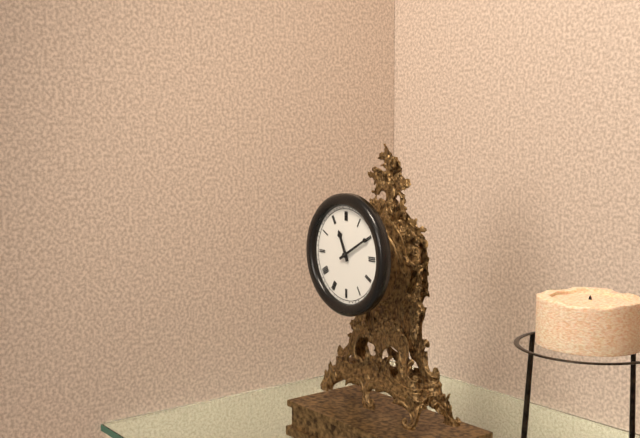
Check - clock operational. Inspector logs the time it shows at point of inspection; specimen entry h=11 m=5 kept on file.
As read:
h=11 m=10
